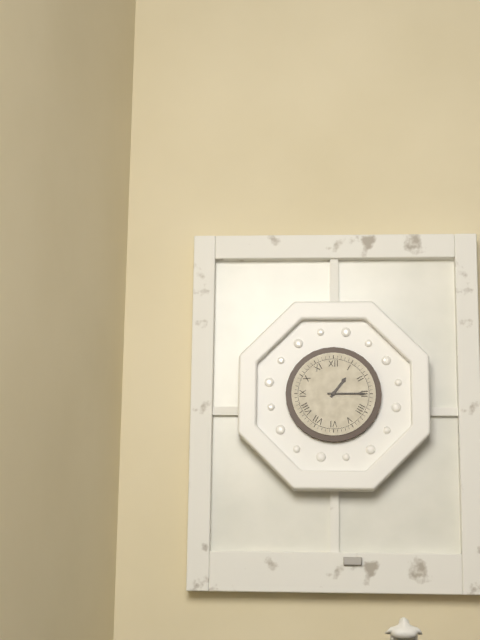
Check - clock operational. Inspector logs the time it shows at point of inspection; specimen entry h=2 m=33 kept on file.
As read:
h=1 m=15
